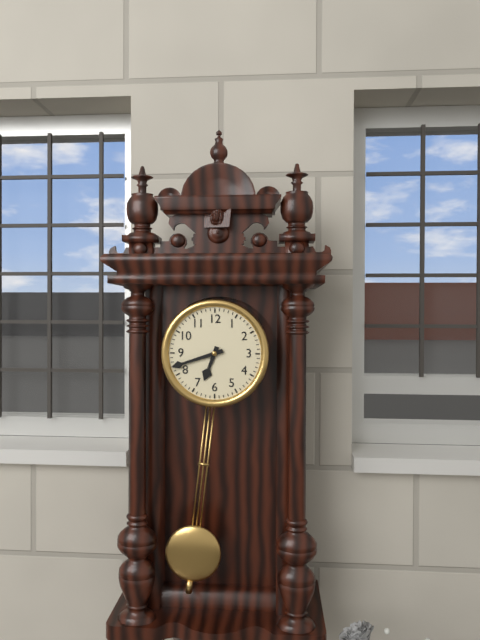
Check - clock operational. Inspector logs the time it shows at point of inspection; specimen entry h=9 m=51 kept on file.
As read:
h=6 m=42
